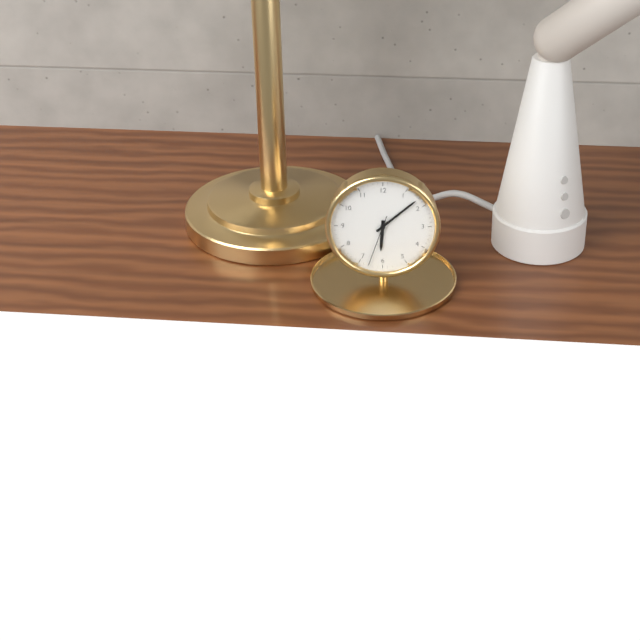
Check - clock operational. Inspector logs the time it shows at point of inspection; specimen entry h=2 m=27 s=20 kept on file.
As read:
h=6 m=8 s=33
